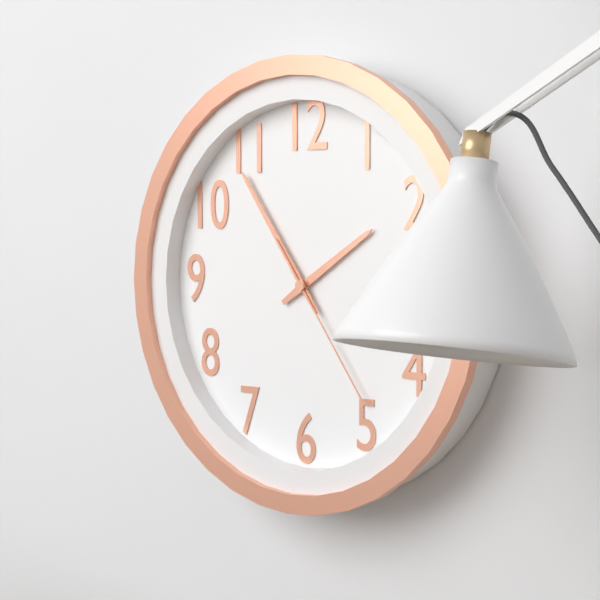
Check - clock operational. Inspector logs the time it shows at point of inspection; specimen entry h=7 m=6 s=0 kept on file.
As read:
h=1 m=54 s=24
